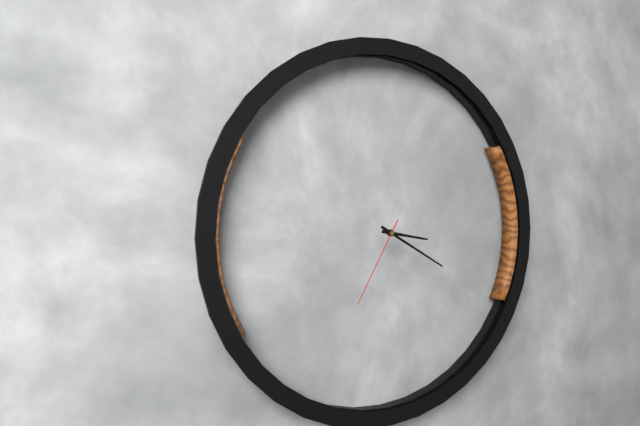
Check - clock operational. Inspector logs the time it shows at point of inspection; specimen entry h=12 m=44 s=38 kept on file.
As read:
h=3 m=20 s=35
